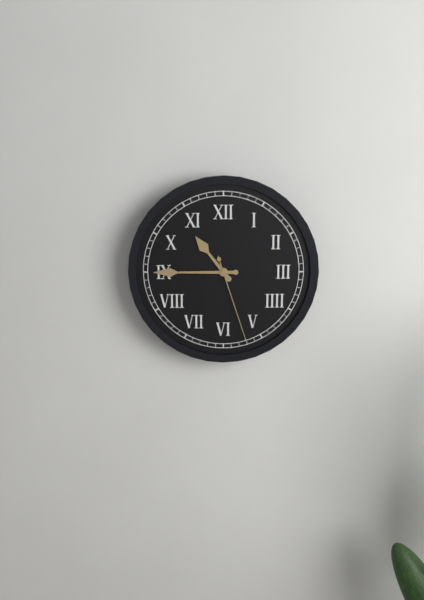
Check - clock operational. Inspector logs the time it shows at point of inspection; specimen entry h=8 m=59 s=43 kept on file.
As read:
h=10 m=45 s=27
